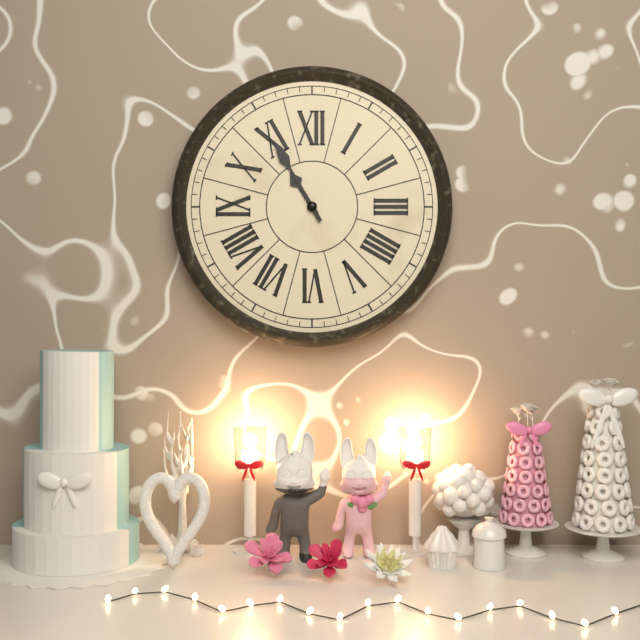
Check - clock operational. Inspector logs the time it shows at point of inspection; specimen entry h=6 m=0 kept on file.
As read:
h=10 m=55
